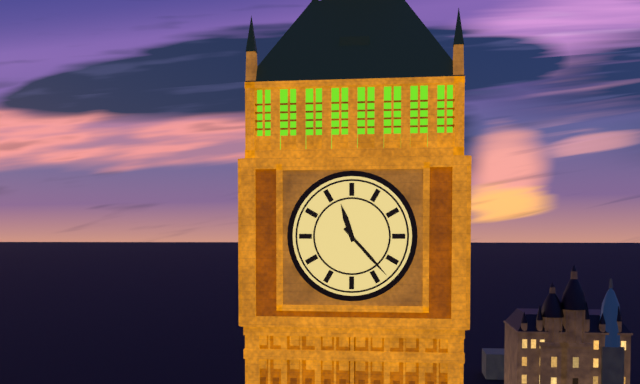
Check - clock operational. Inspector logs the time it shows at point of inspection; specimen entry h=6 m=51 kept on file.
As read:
h=11 m=23
